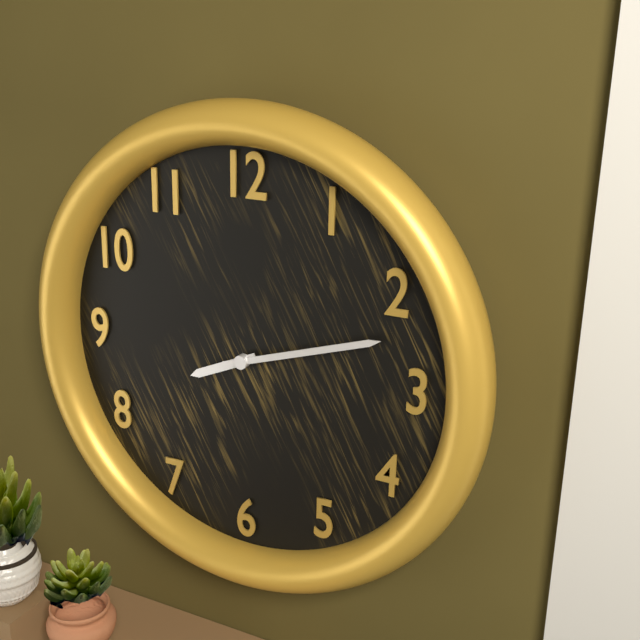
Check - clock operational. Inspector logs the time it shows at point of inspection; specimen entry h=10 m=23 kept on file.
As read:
h=8 m=12
